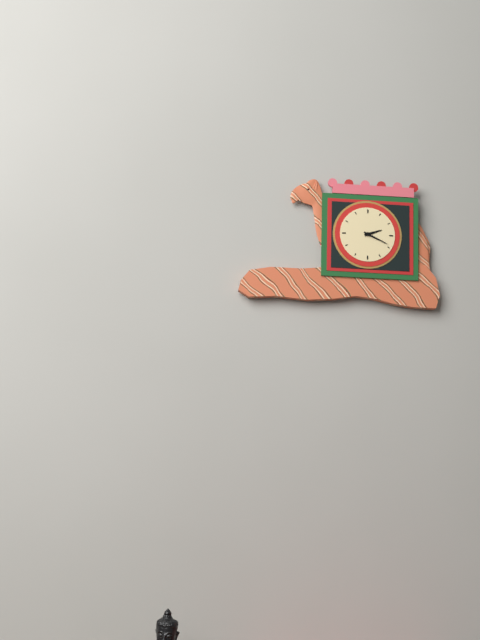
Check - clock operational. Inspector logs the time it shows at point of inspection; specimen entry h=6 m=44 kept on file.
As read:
h=2 m=19
